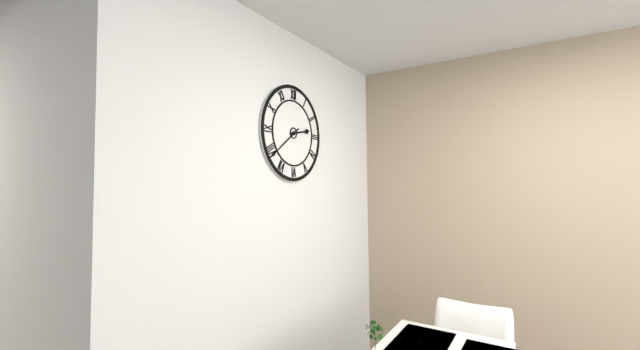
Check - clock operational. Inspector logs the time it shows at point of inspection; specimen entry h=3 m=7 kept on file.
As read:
h=2 m=39
